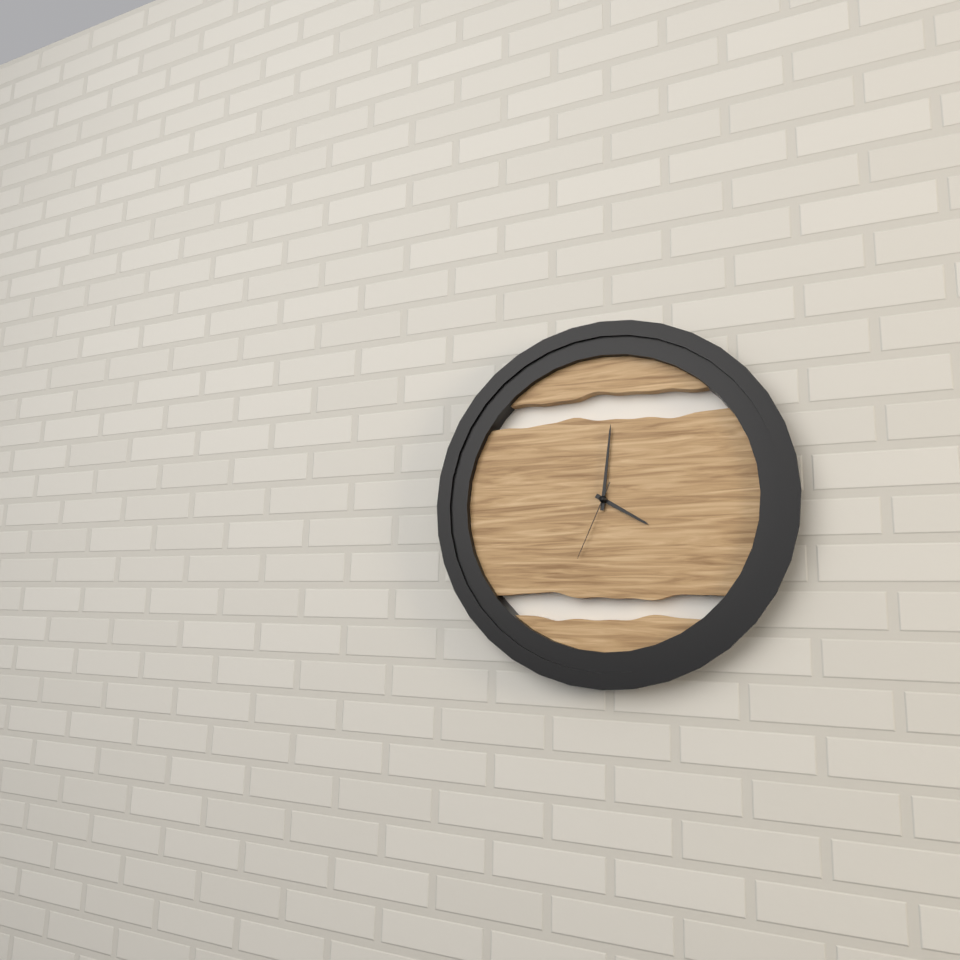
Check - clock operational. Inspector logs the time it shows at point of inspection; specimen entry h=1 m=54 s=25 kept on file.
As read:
h=4 m=1 s=34
